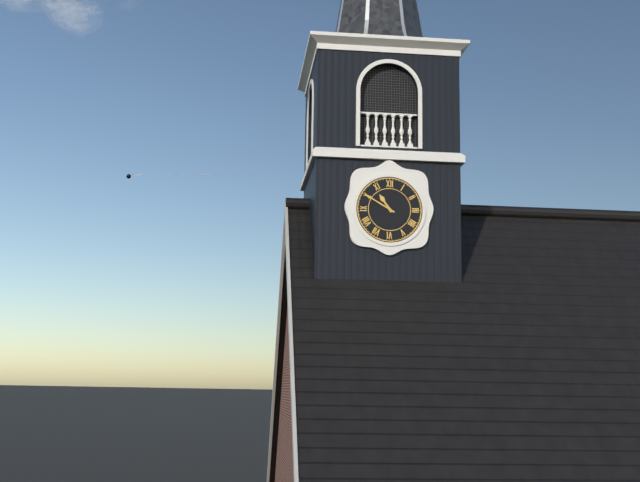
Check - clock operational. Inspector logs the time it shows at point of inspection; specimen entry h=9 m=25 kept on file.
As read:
h=10 m=50
